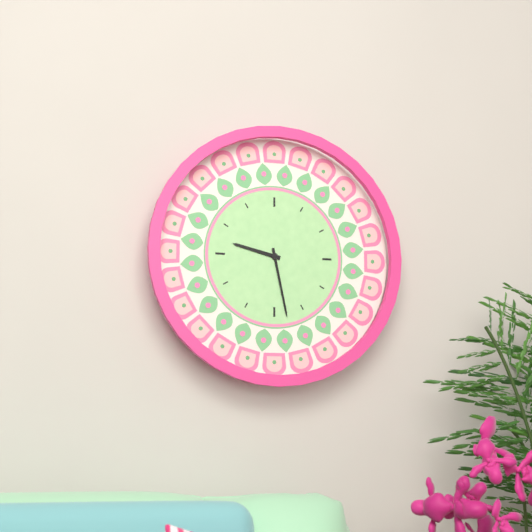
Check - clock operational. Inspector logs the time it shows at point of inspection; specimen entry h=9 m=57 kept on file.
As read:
h=9 m=28
